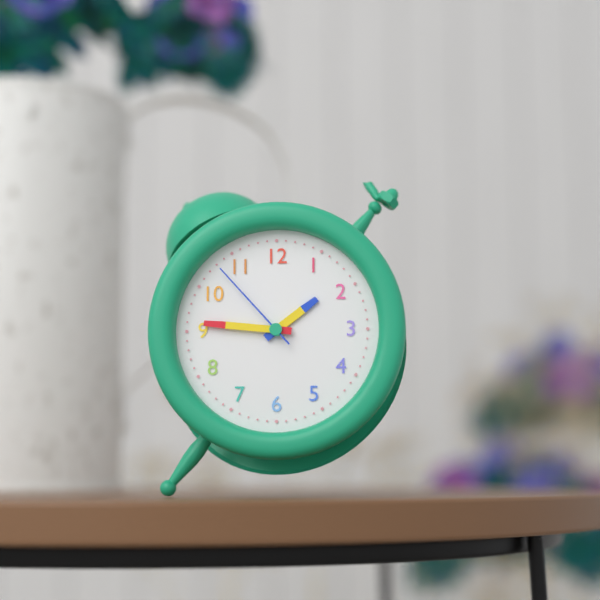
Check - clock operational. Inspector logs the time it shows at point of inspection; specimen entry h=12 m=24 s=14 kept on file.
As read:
h=1 m=46 s=53
